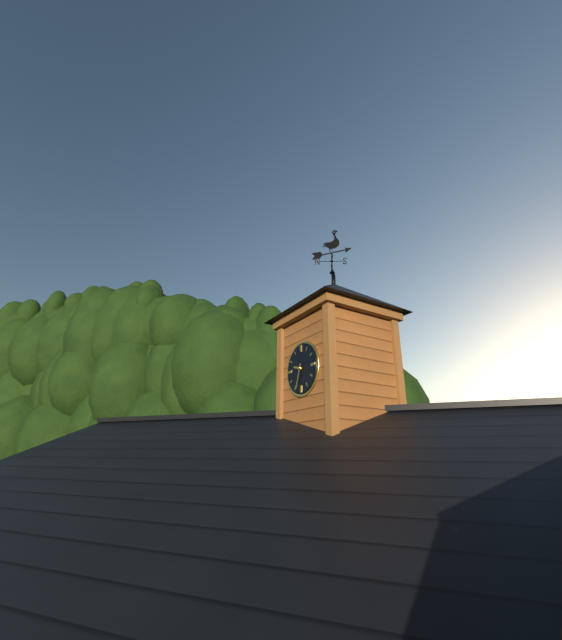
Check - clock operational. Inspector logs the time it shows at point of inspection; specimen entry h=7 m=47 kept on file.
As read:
h=9 m=33
